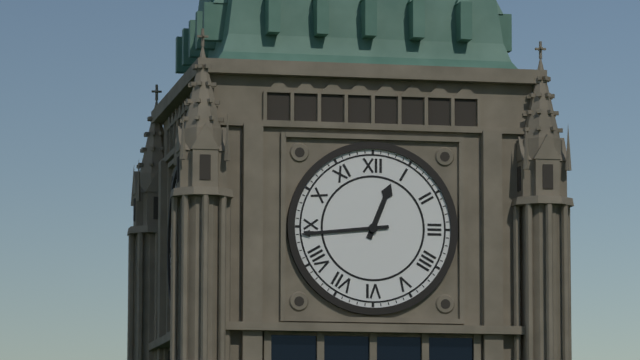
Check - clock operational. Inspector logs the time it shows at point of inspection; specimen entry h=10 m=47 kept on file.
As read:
h=12 m=44
